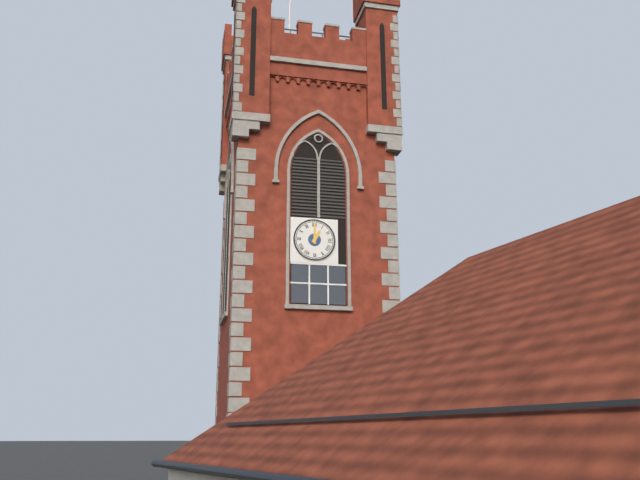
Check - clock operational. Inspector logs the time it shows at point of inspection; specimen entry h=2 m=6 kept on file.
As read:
h=1 m=0
